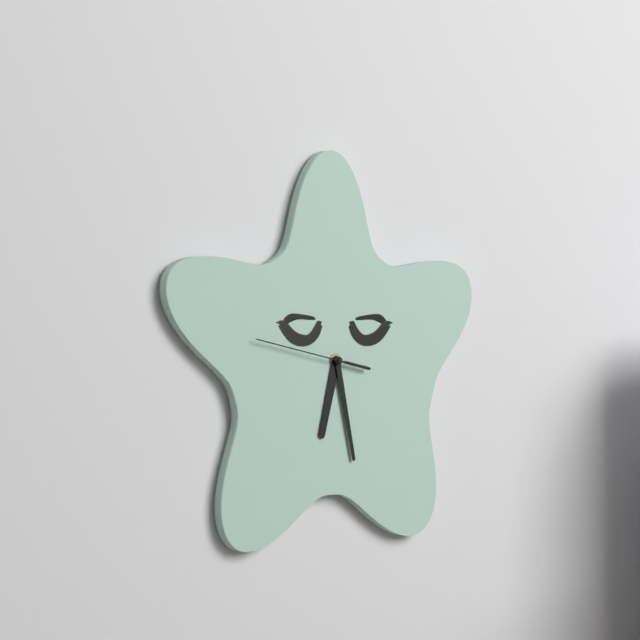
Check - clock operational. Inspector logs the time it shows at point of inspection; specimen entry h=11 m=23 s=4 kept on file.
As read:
h=6 m=28 s=47
